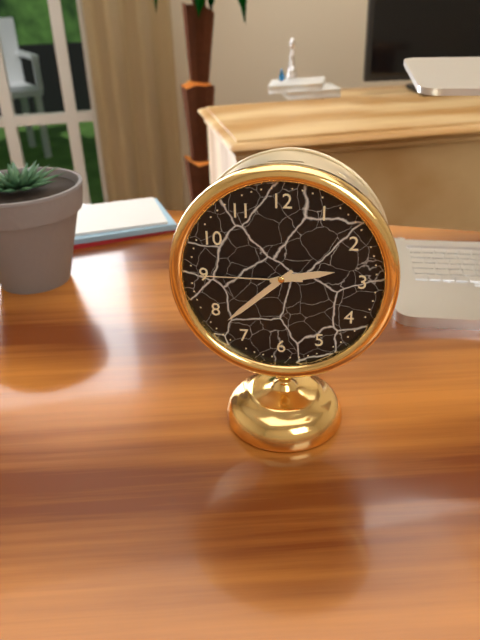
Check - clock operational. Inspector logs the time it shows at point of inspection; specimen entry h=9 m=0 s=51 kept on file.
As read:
h=2 m=38 s=45
